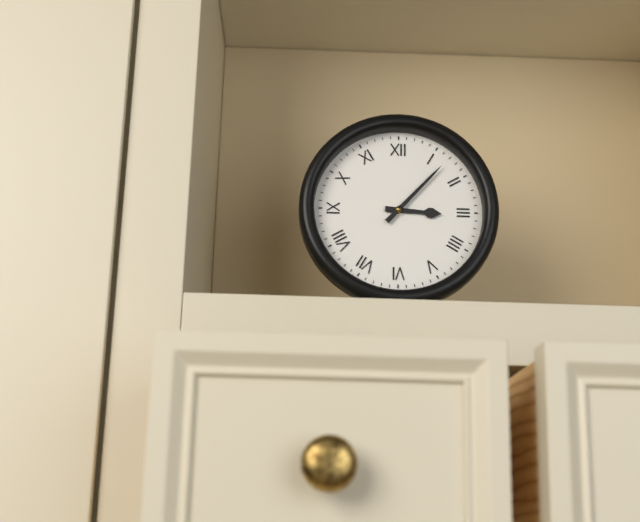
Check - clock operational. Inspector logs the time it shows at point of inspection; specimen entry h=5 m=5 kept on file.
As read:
h=3 m=7
